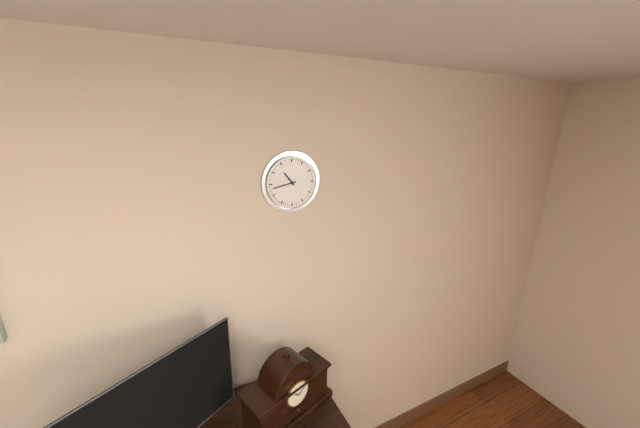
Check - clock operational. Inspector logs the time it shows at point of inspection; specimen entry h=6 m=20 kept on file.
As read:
h=10 m=43
